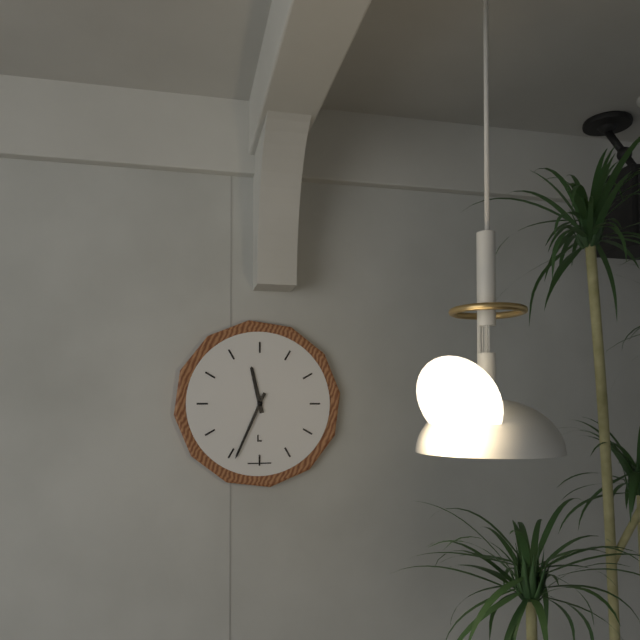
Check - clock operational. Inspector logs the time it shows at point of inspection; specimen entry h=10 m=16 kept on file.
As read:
h=11 m=34
